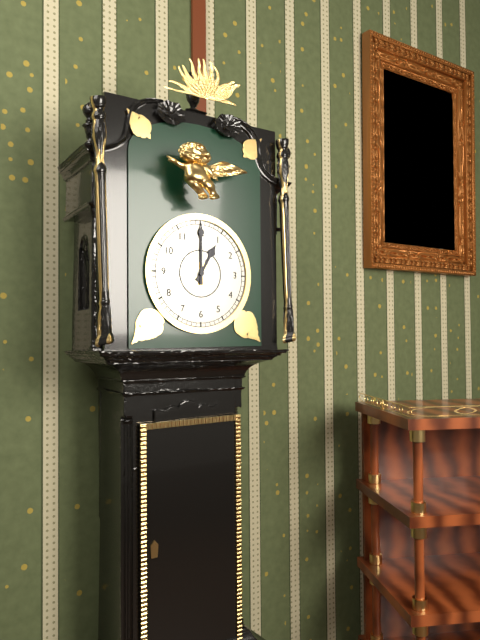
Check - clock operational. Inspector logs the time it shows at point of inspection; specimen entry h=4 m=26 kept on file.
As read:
h=1 m=0
